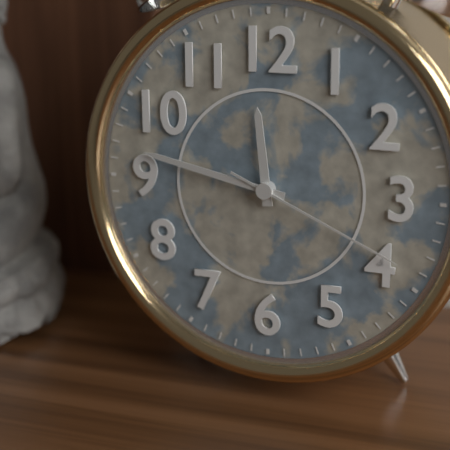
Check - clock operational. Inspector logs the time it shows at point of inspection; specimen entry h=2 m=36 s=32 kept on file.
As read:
h=11 m=47 s=19
